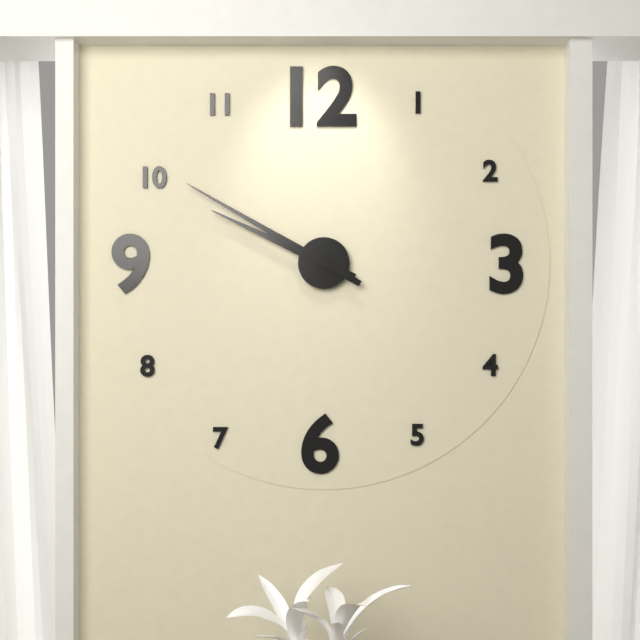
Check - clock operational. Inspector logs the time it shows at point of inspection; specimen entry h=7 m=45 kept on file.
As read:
h=9 m=50
